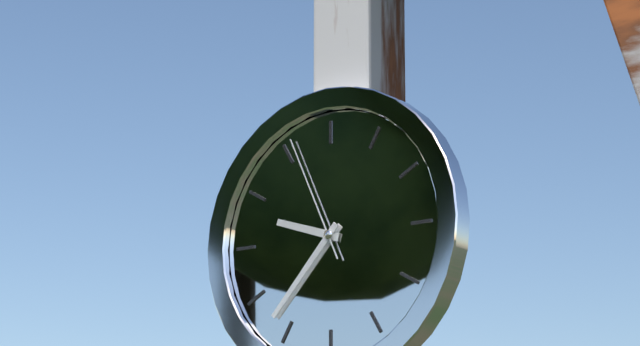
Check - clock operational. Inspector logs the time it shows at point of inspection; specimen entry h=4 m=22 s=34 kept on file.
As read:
h=9 m=37 s=56
